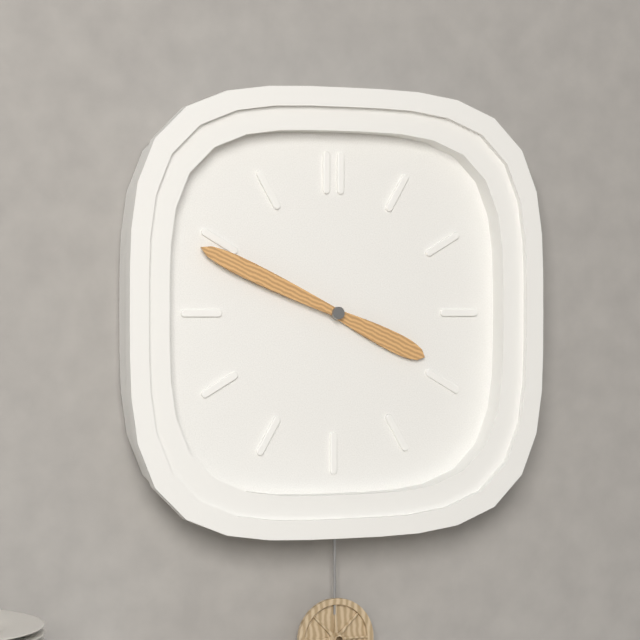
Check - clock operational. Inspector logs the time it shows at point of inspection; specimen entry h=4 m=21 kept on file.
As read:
h=3 m=49
